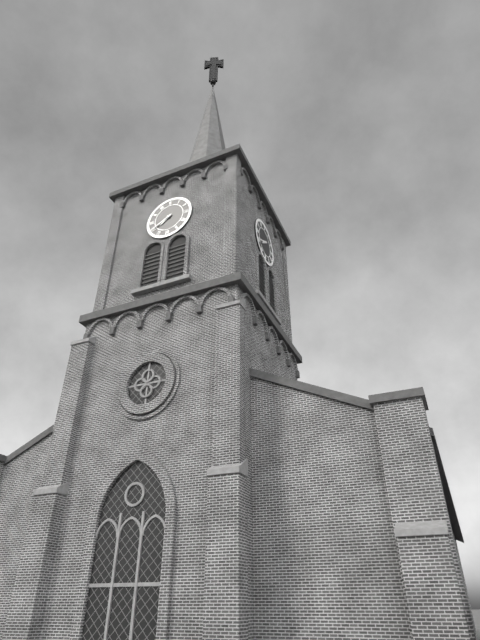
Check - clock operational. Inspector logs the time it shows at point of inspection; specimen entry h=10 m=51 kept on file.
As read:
h=7 m=40
